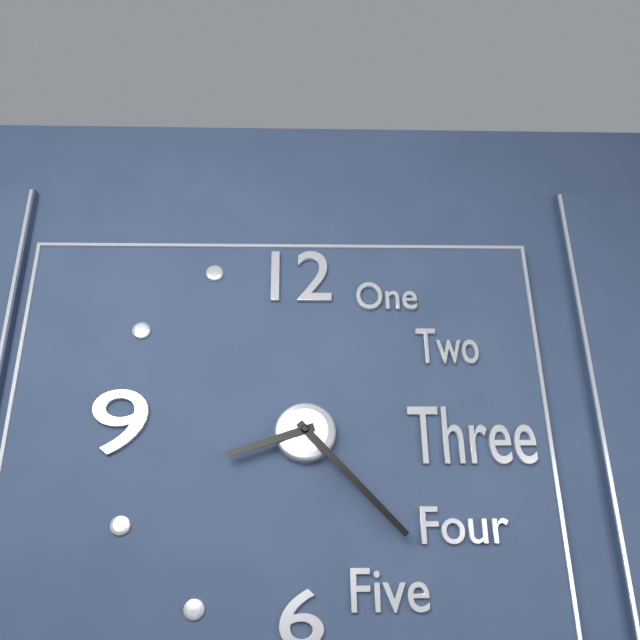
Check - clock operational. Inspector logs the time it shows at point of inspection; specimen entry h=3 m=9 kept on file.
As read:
h=8 m=23
